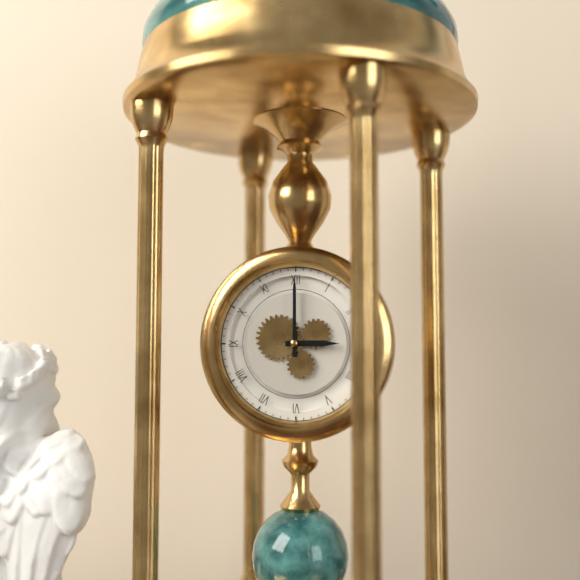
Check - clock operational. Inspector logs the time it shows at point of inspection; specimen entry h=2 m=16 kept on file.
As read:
h=3 m=0
